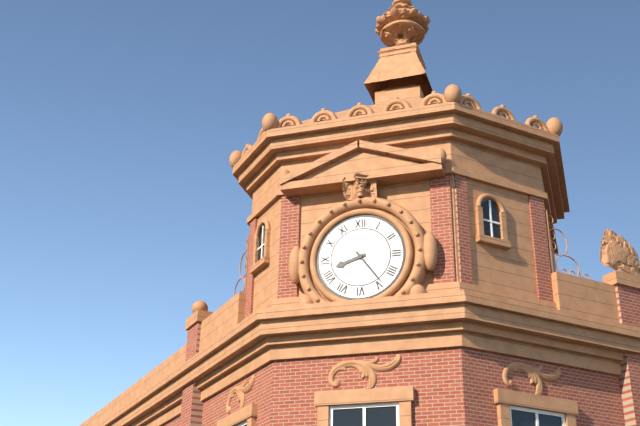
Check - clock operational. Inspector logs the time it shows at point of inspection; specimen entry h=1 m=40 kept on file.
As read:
h=8 m=24
